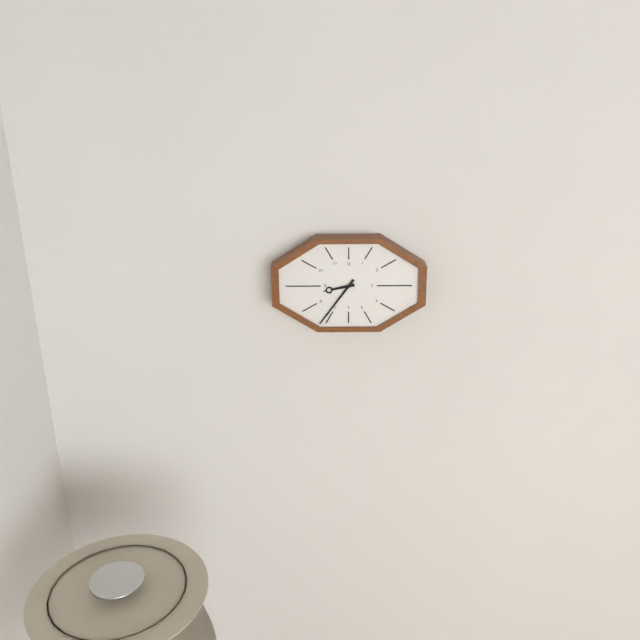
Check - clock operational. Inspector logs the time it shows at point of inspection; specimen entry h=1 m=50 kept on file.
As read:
h=8 m=36
